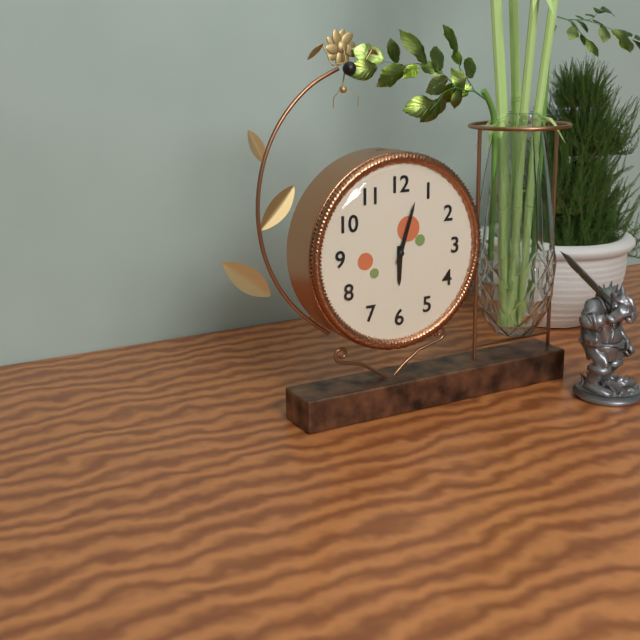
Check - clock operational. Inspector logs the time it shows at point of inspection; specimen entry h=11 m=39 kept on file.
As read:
h=6 m=3
